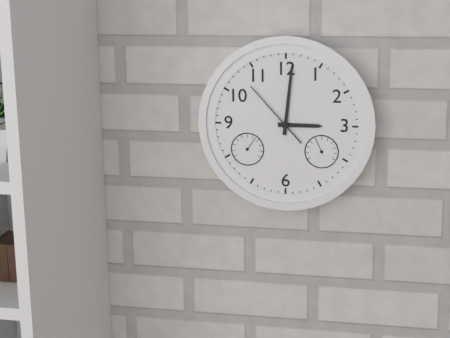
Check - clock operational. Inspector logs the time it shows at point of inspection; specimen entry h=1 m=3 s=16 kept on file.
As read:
h=3 m=1 s=53
